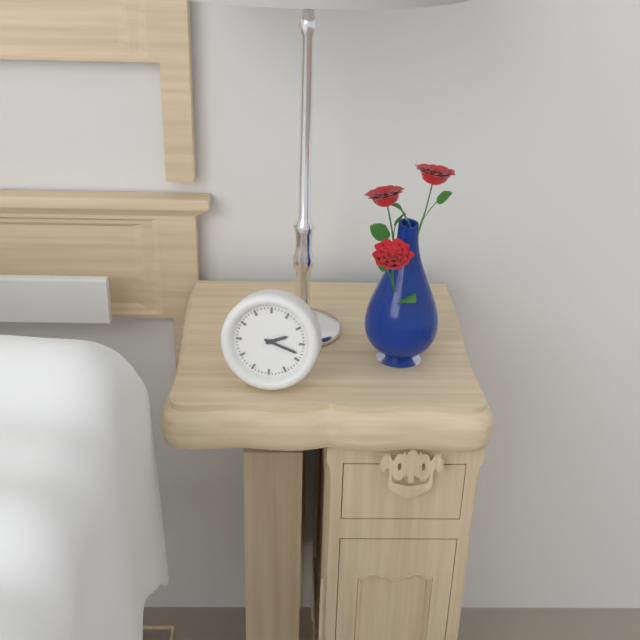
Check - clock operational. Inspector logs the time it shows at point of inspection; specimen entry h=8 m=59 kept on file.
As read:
h=2 m=18
